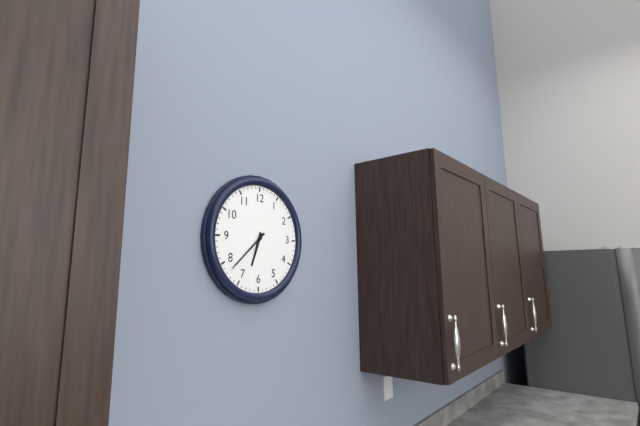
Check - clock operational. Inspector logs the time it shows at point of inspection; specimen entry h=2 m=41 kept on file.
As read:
h=6 m=38
